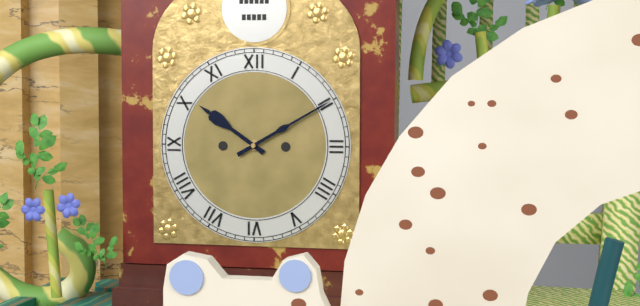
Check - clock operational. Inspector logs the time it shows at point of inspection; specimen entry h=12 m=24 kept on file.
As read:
h=10 m=10
